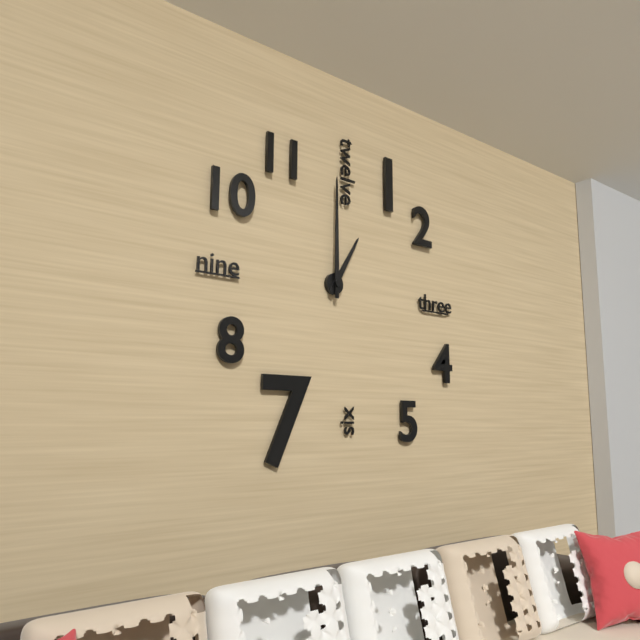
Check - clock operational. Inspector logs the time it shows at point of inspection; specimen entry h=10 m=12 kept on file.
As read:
h=1 m=0
